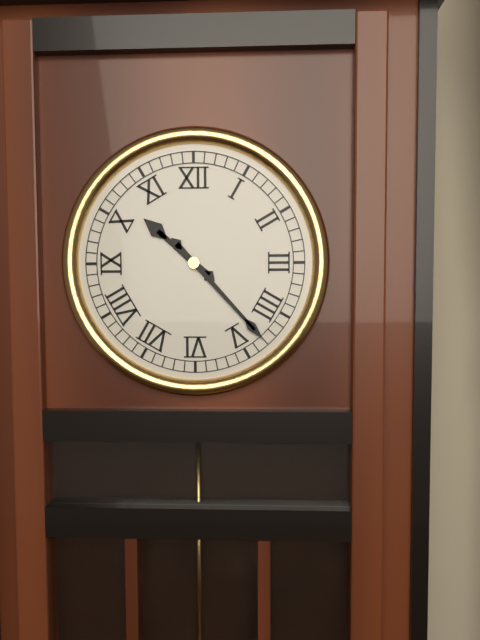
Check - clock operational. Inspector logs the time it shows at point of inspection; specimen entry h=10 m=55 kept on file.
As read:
h=10 m=23
